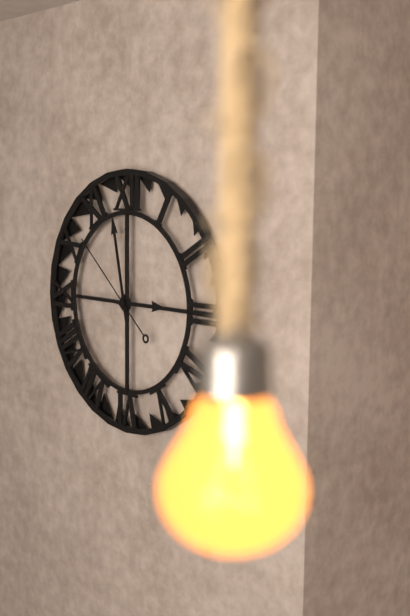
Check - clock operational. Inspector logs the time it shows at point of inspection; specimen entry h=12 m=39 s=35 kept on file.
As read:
h=2 m=58 s=52
